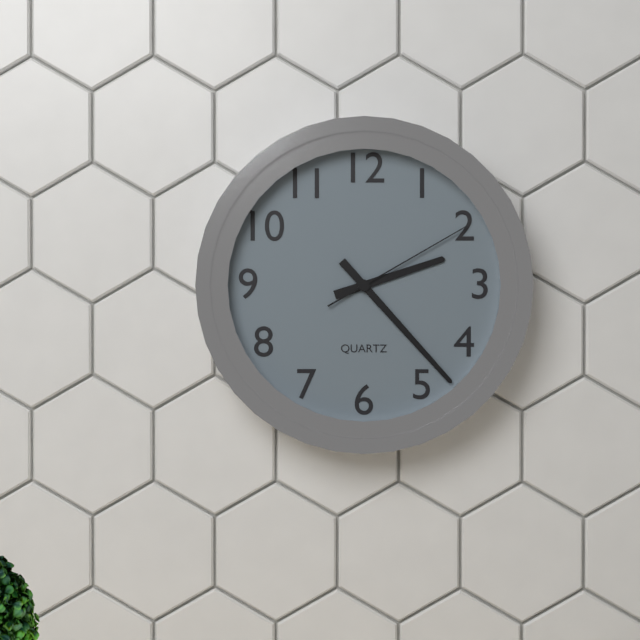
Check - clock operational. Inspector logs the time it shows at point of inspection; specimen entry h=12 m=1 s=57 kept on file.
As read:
h=2 m=23 s=10
